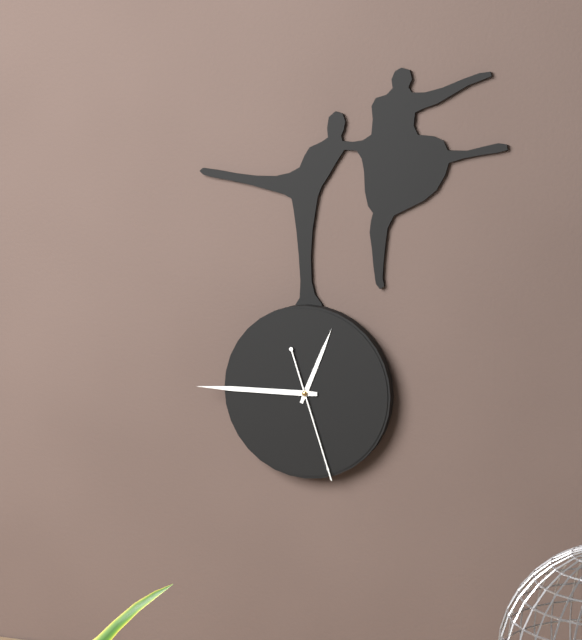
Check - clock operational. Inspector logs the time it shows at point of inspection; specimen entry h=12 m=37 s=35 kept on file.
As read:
h=12 m=45 s=27
